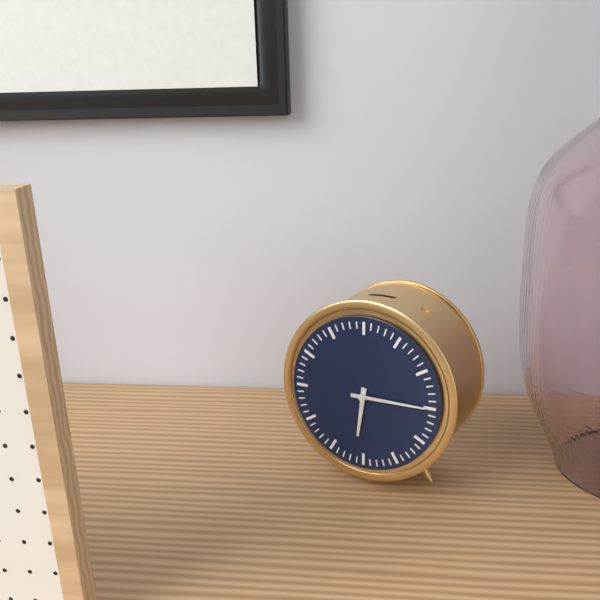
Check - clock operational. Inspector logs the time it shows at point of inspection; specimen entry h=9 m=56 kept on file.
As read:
h=6 m=15
